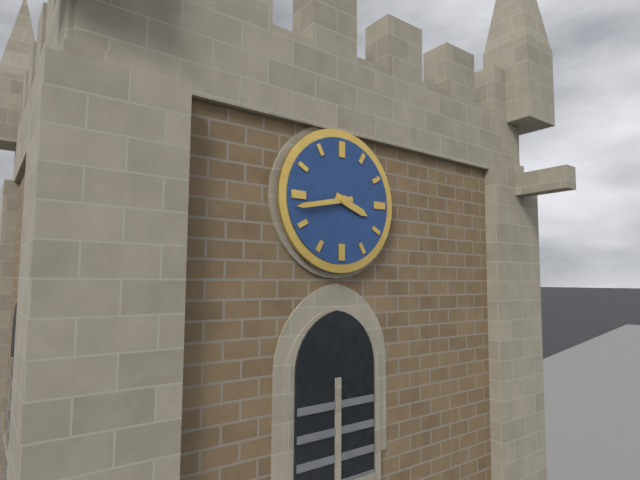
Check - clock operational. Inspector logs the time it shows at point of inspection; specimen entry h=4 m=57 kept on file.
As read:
h=3 m=43
